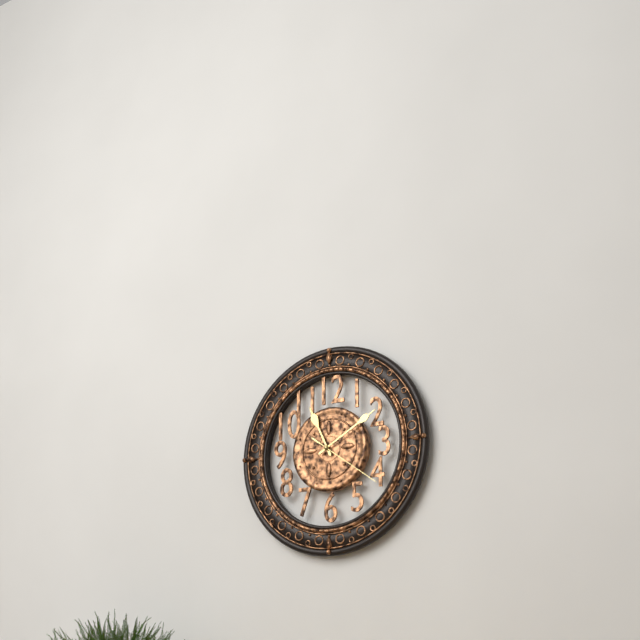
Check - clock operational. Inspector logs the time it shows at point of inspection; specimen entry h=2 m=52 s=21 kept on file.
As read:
h=11 m=10 s=21
